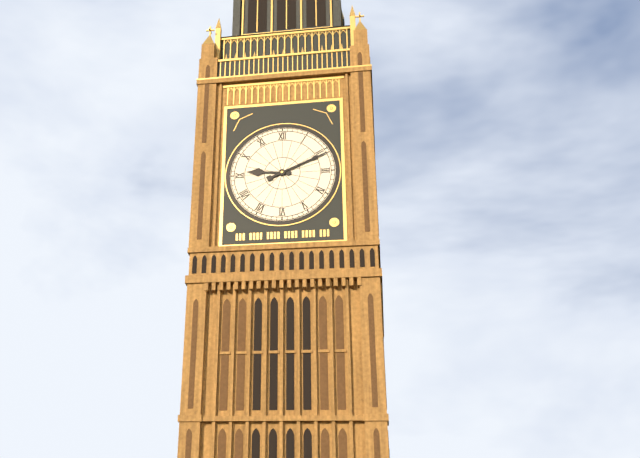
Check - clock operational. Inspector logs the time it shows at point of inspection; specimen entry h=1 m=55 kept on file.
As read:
h=9 m=11
